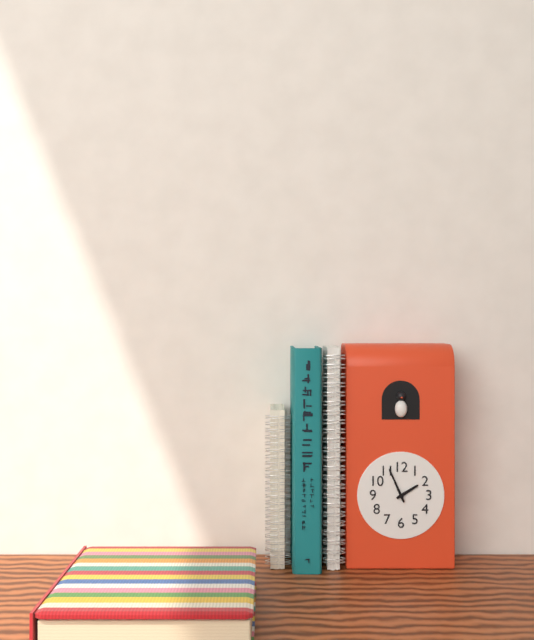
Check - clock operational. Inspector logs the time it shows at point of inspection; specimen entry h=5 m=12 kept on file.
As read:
h=1 m=56
